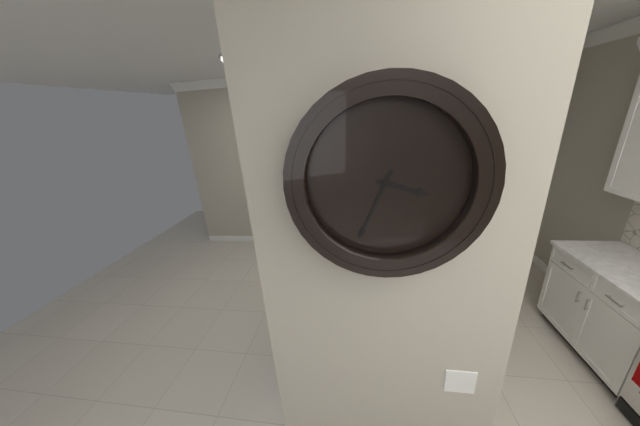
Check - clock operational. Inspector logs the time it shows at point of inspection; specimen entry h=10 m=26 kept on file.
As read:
h=3 m=34
